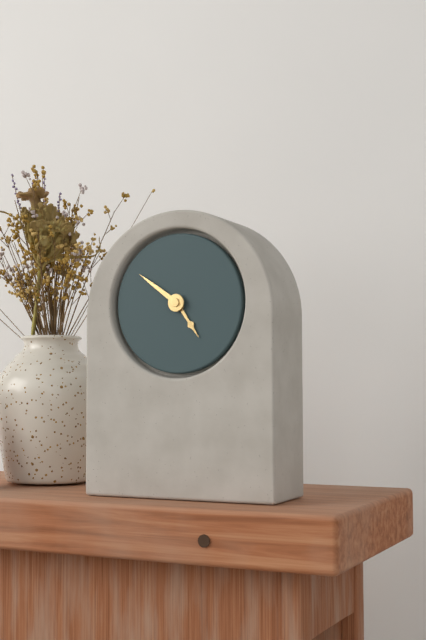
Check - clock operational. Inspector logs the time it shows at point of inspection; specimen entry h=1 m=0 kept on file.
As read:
h=4 m=51
